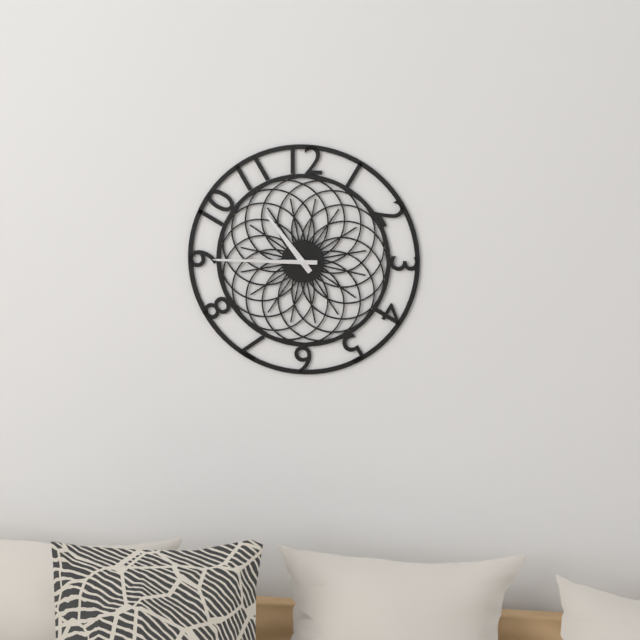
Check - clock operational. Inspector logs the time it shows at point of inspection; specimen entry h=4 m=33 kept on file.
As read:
h=10 m=45
